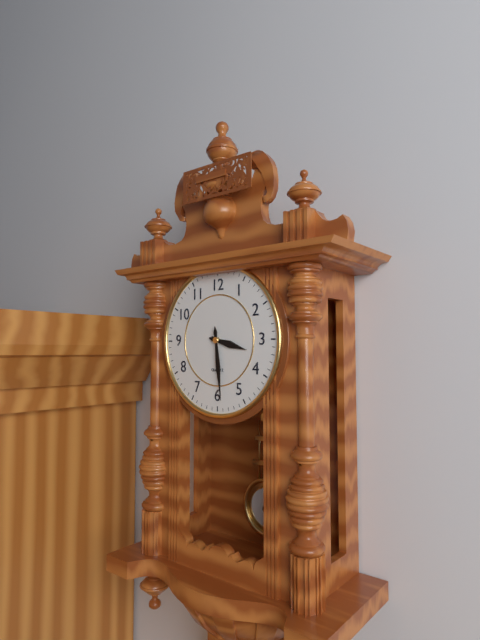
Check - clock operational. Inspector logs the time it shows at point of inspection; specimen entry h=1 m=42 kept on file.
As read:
h=3 m=29
